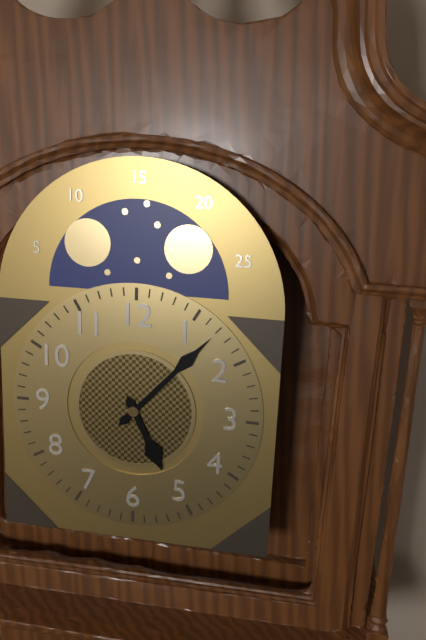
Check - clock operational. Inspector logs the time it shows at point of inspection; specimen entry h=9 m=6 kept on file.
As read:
h=5 m=7
